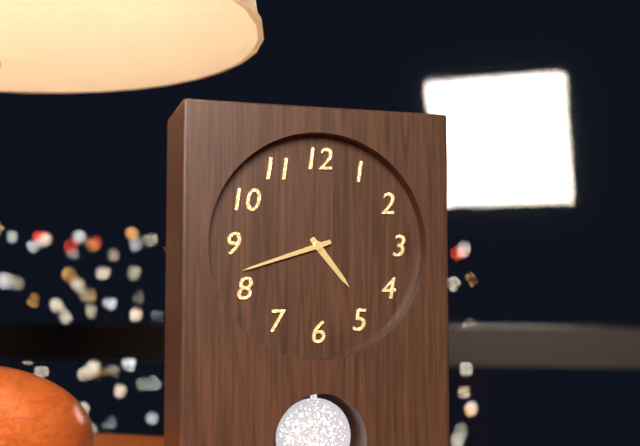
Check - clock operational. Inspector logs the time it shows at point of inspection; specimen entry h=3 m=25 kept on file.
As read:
h=4 m=42
